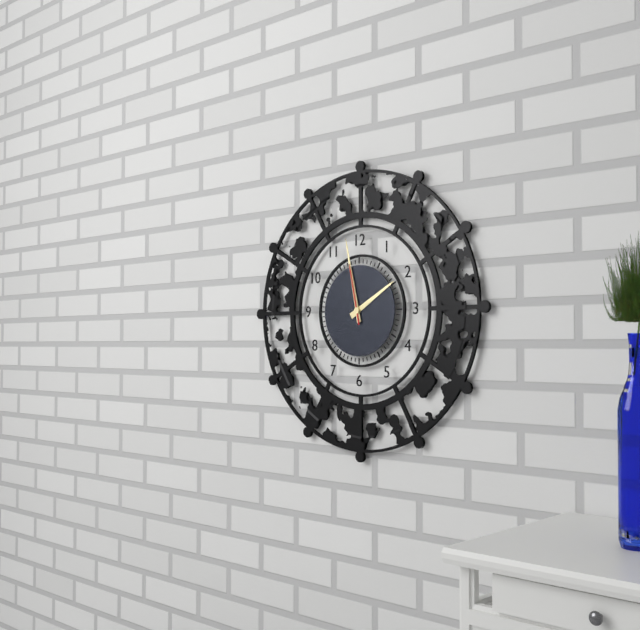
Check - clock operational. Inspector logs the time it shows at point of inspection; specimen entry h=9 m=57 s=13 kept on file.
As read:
h=1 m=58 s=58
